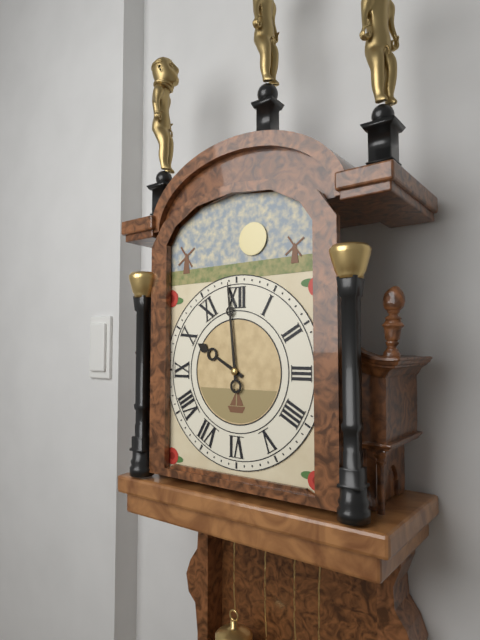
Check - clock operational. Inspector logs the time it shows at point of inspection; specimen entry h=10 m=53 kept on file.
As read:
h=9 m=59
